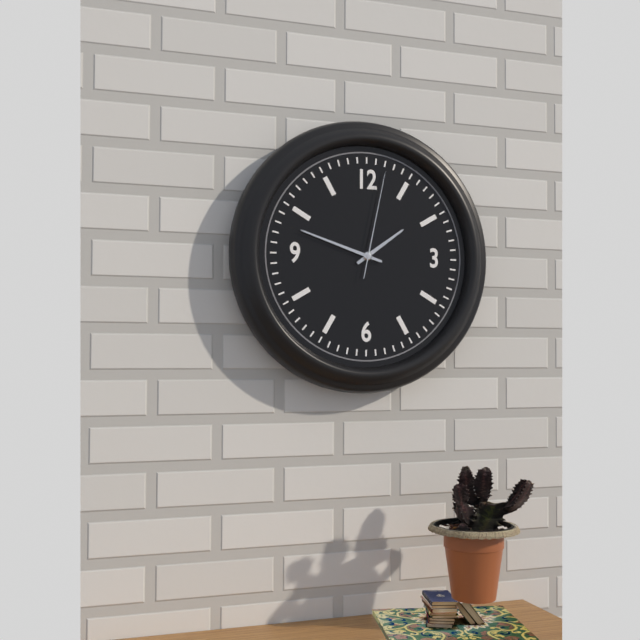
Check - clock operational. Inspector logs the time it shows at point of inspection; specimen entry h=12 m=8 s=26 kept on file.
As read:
h=1 m=48 s=2
